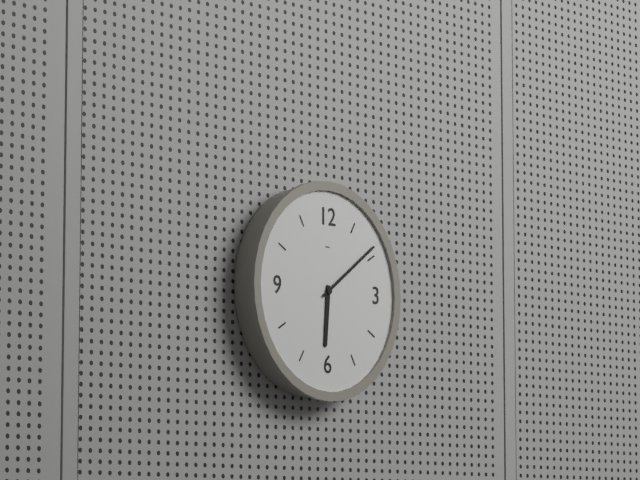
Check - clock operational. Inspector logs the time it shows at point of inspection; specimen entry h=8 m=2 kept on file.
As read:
h=6 m=9
